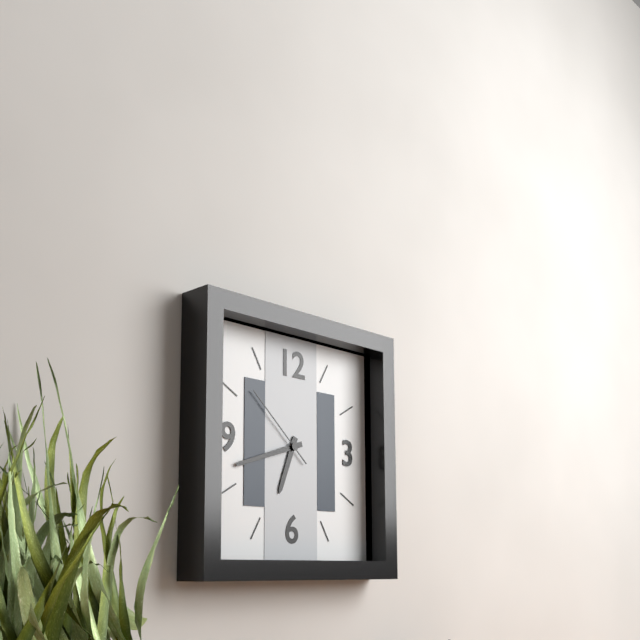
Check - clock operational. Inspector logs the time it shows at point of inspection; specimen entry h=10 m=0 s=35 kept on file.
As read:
h=6 m=42 s=52
